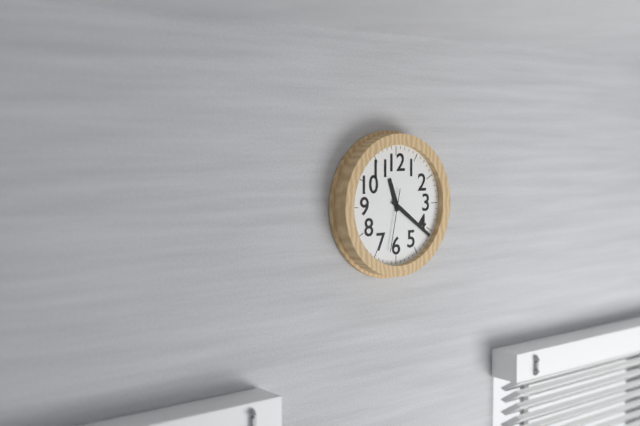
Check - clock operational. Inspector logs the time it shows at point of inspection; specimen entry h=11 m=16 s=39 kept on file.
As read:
h=11 m=21 s=32
